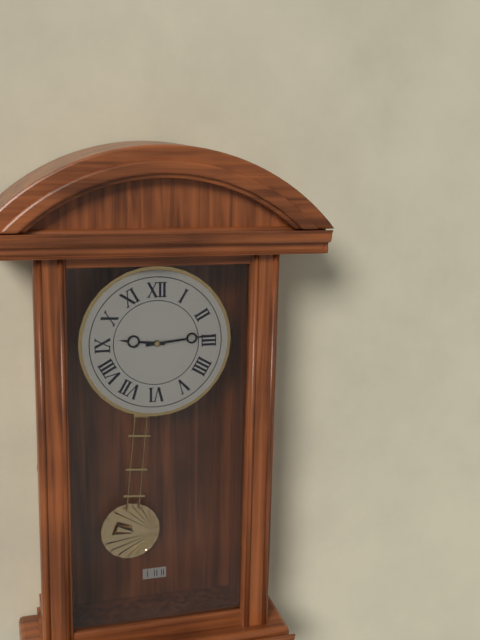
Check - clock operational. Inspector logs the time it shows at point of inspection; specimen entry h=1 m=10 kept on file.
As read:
h=9 m=14
